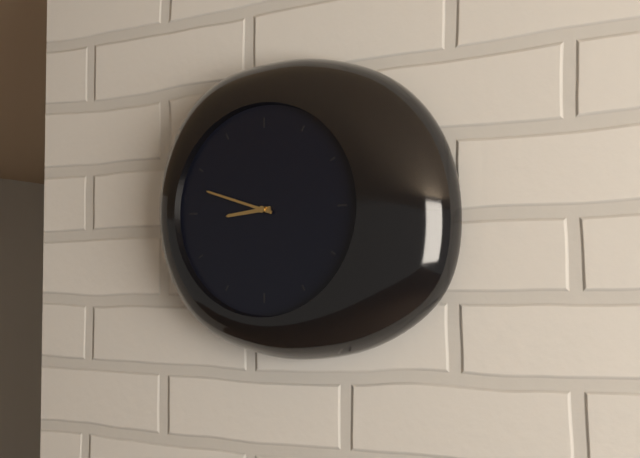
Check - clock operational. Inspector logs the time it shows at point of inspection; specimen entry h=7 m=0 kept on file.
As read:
h=8 m=48
